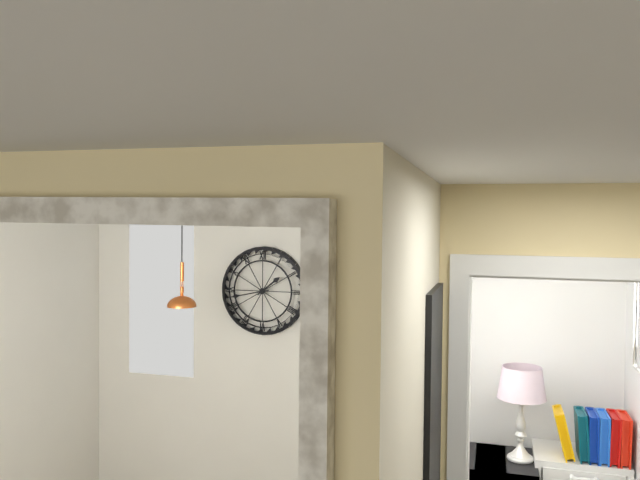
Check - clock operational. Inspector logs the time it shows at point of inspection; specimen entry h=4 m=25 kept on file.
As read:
h=1 m=43
